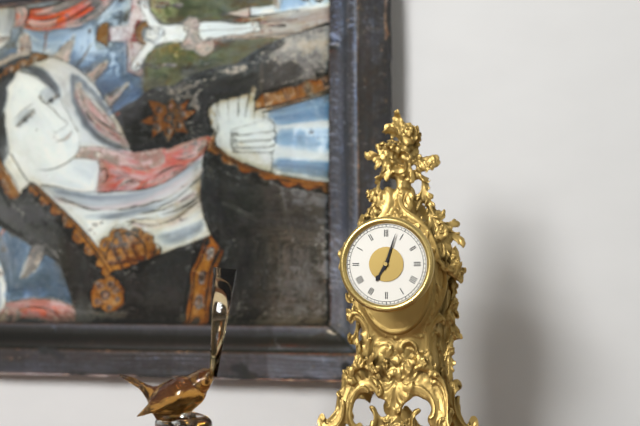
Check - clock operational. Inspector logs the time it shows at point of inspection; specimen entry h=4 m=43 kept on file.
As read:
h=7 m=3
